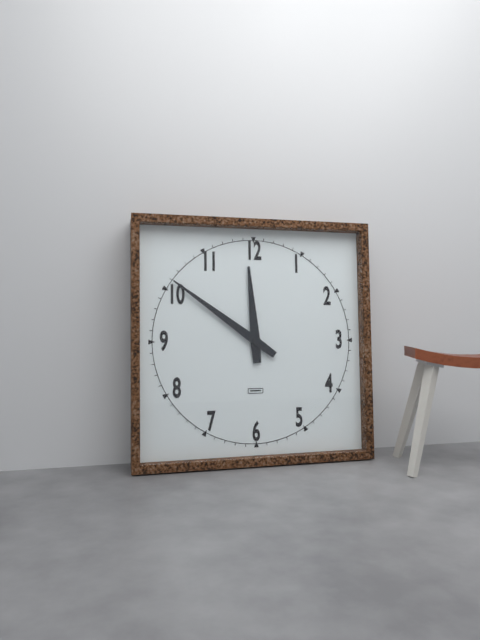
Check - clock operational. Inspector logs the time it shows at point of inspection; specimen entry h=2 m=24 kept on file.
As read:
h=11 m=51
